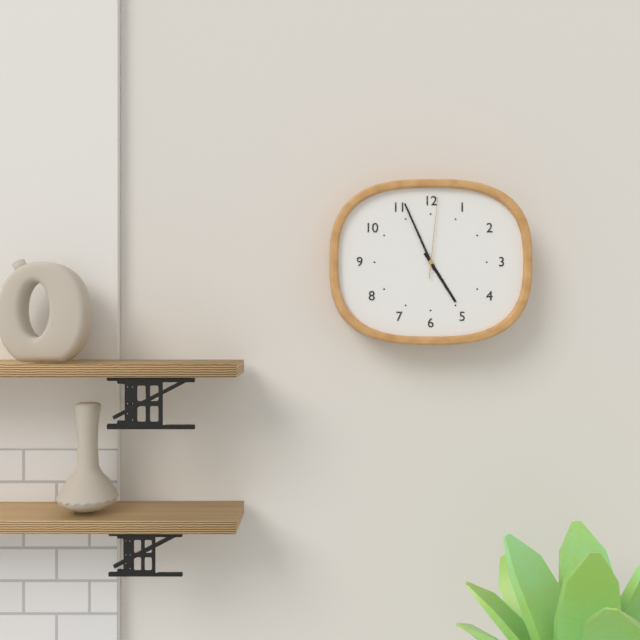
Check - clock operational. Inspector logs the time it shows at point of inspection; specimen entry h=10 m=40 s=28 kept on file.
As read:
h=4 m=56 s=1
